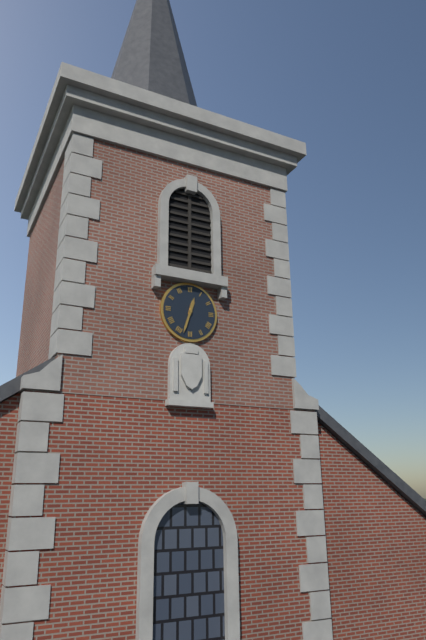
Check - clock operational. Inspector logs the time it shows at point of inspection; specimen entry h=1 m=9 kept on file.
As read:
h=12 m=33
